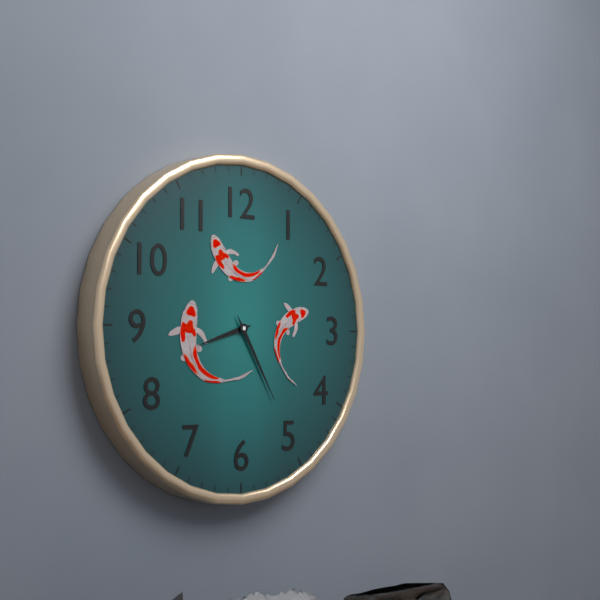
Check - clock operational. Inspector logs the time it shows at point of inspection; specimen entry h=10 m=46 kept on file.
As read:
h=8 m=25
